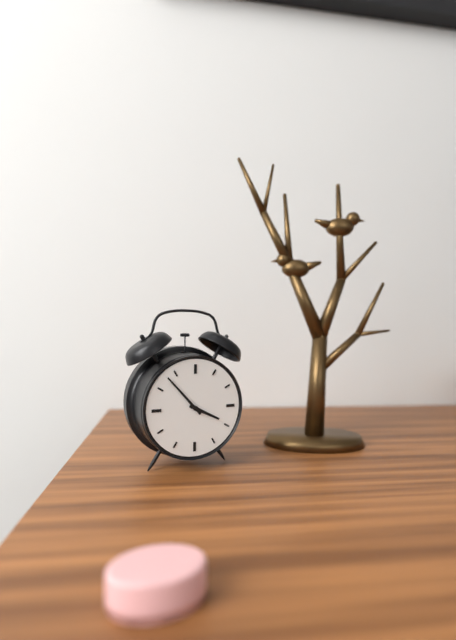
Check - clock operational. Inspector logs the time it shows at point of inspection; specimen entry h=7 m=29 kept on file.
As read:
h=3 m=53
